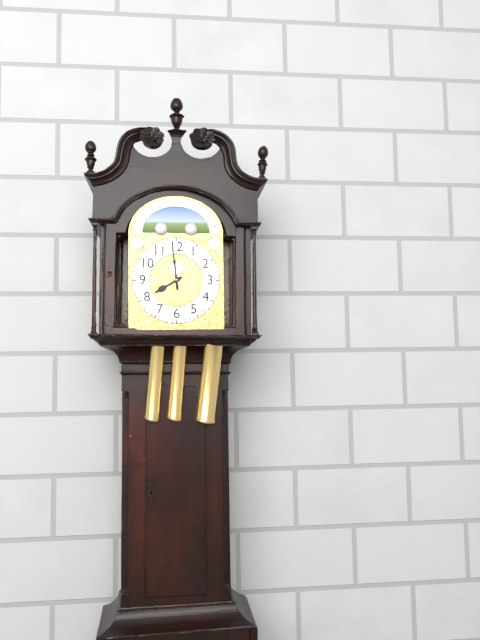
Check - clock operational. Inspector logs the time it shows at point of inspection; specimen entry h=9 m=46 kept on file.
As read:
h=7 m=59
